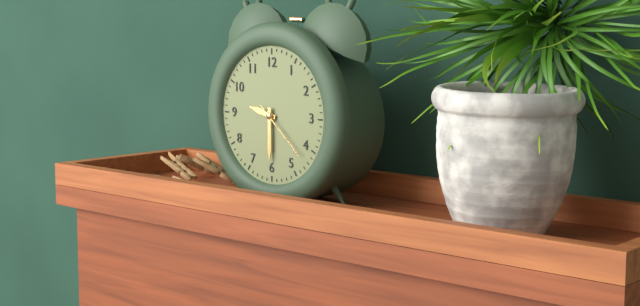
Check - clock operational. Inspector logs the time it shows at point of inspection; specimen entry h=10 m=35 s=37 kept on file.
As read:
h=9 m=30 s=22
